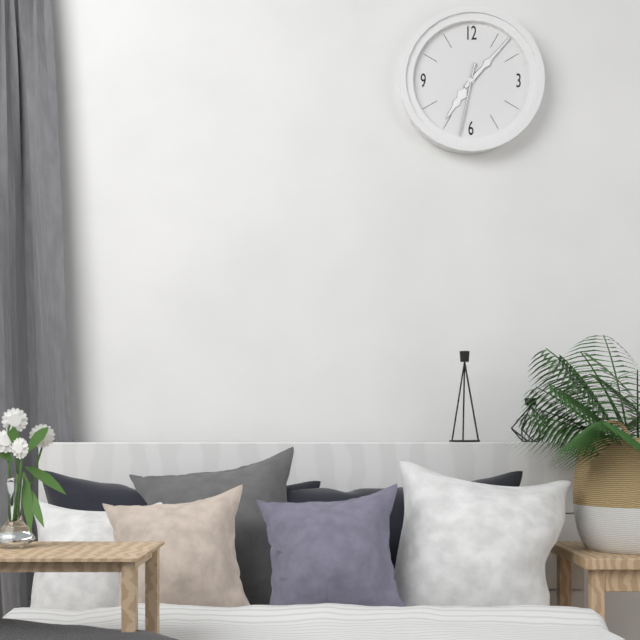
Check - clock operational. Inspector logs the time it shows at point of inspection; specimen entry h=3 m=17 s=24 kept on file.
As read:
h=7 m=7 s=32
